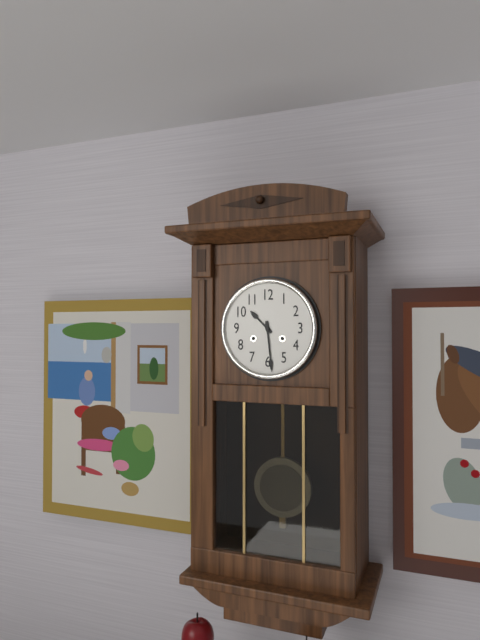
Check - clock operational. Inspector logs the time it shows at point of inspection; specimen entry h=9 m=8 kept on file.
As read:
h=10 m=29
